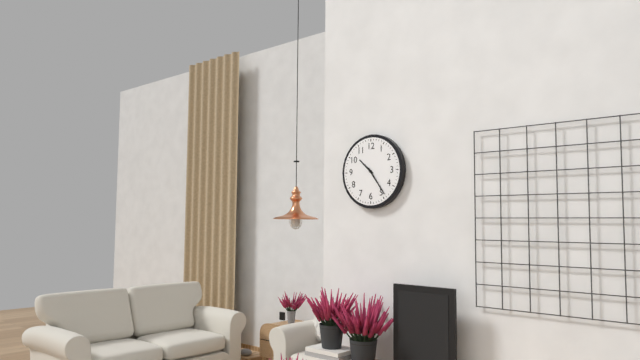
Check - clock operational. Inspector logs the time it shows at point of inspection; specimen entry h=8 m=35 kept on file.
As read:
h=10 m=24
